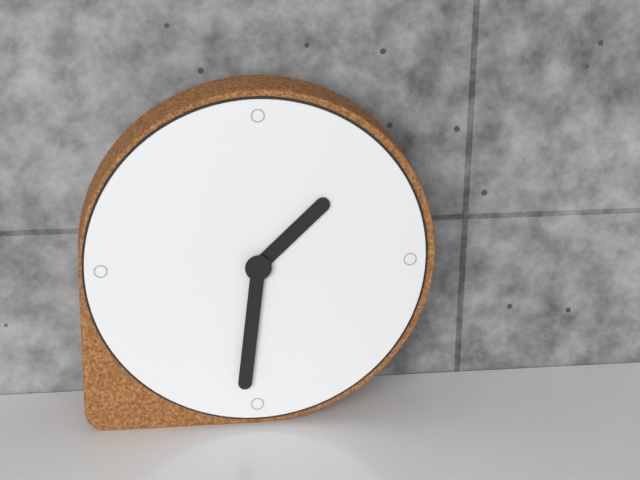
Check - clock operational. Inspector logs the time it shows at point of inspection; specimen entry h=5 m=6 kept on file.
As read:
h=1 m=31
